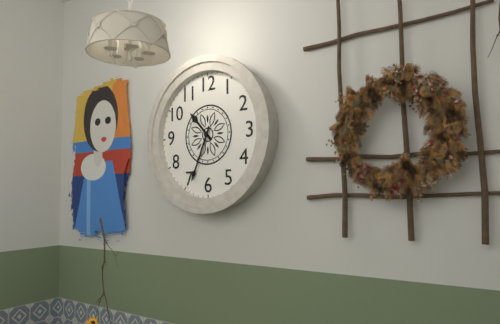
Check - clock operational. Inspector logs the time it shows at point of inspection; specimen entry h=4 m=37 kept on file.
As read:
h=10 m=34
